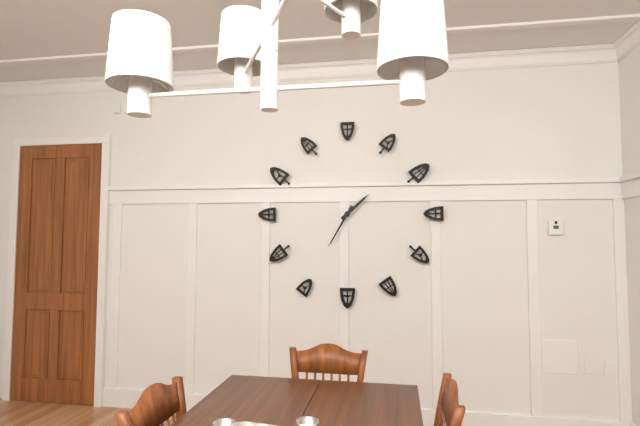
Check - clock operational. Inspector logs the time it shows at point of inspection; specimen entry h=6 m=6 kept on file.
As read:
h=1 m=35
